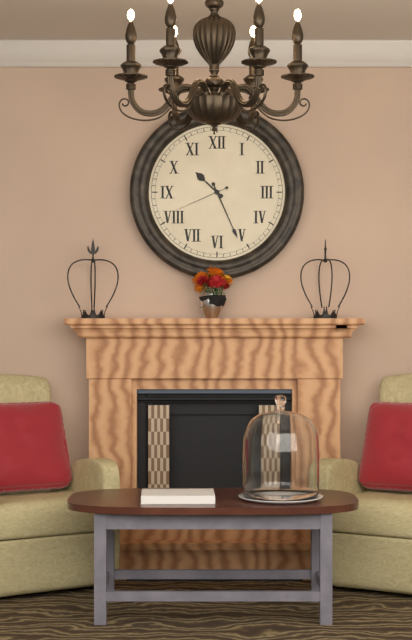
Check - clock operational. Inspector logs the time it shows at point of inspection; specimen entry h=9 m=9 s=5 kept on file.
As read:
h=10 m=26 s=41
